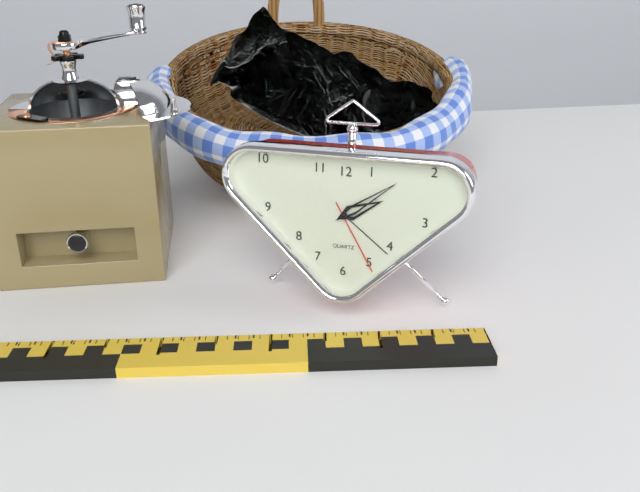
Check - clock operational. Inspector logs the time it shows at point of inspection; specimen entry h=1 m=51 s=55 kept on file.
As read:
h=2 m=9 s=25
